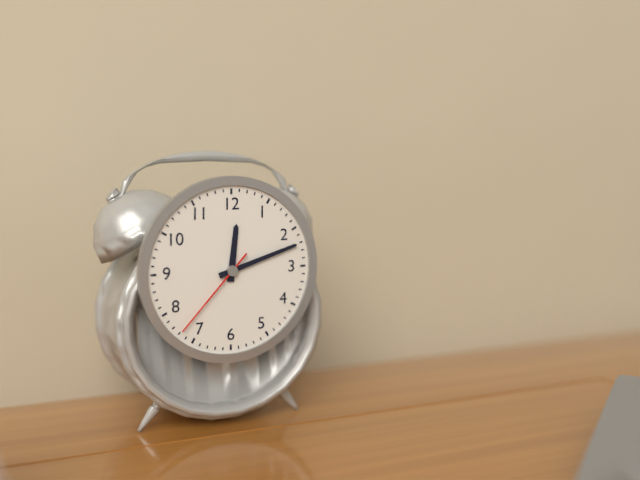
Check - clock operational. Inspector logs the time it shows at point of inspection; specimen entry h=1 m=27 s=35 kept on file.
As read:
h=12 m=12 s=37
